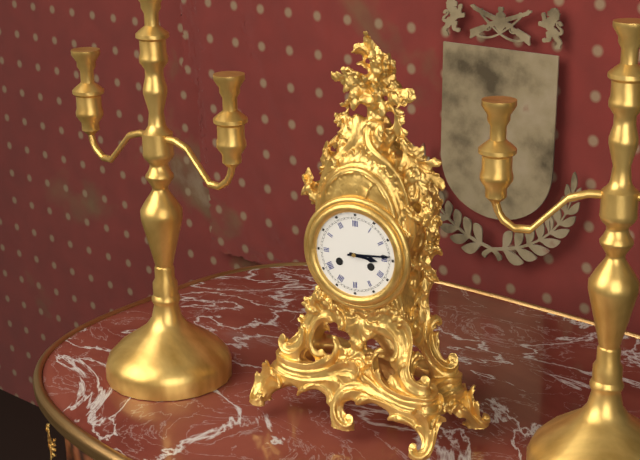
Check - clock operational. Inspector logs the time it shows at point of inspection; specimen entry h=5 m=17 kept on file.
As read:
h=3 m=14
